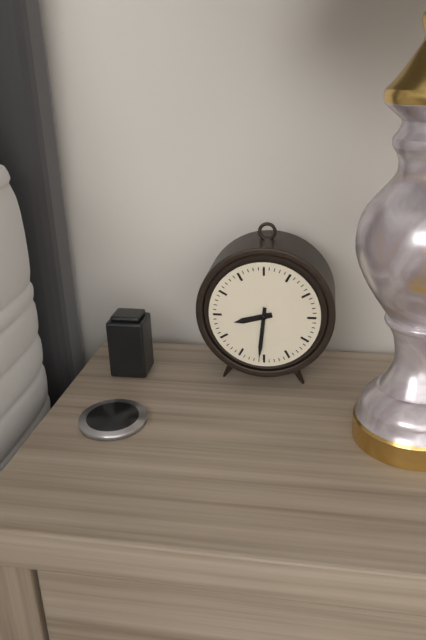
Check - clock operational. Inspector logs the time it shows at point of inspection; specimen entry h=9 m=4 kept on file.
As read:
h=8 m=31
